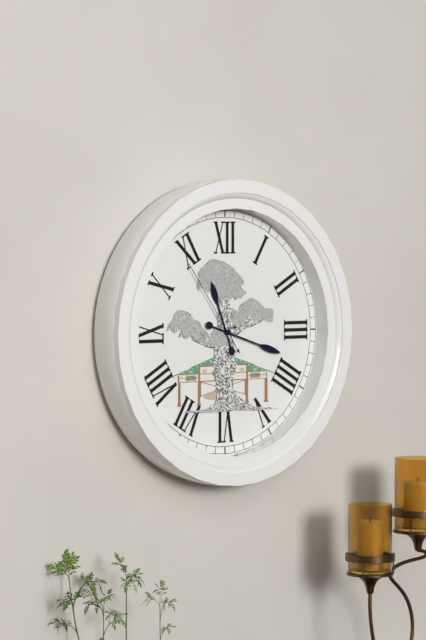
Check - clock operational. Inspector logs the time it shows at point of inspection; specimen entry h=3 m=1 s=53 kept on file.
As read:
h=11 m=18 s=54
